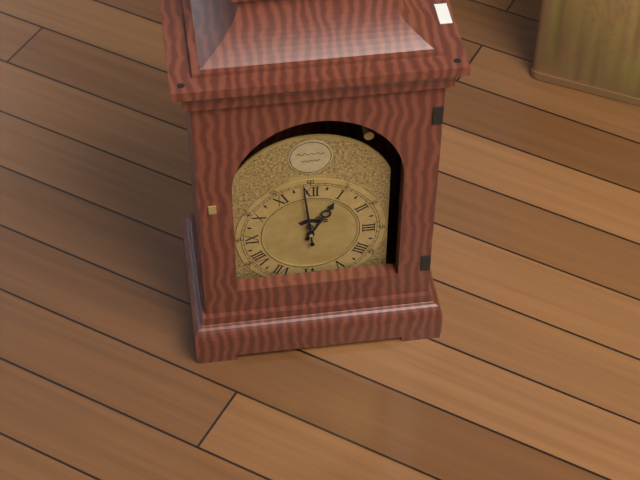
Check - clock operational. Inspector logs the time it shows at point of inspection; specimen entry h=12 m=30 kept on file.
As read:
h=12 m=59
